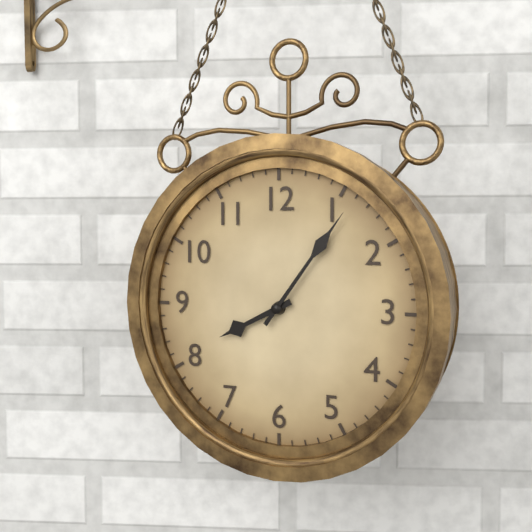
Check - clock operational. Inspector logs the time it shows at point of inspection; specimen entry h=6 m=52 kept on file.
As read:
h=8 m=6
